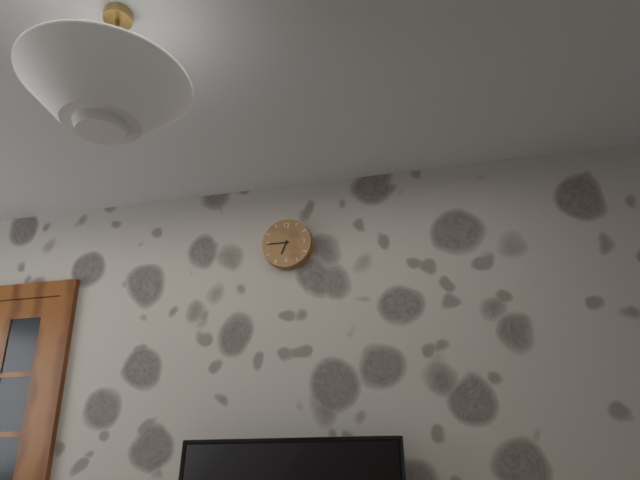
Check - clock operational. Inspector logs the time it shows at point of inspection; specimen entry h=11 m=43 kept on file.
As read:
h=6 m=45
